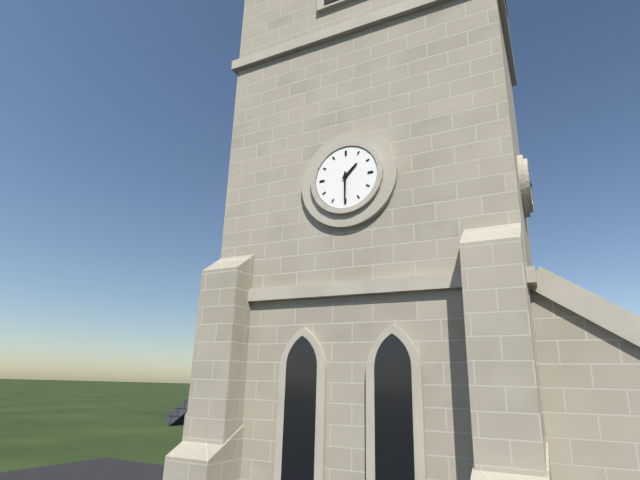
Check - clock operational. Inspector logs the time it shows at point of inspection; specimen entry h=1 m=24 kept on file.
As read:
h=1 m=30
